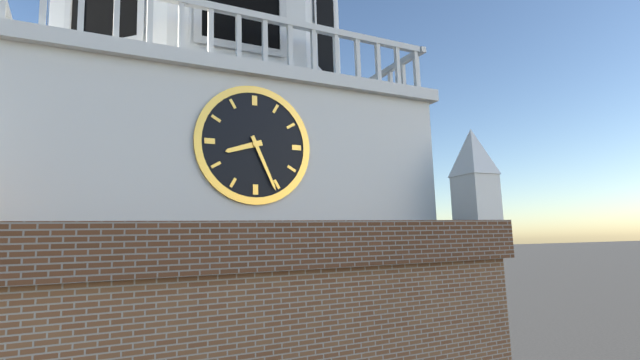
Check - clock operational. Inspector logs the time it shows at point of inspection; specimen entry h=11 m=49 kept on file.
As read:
h=8 m=26
